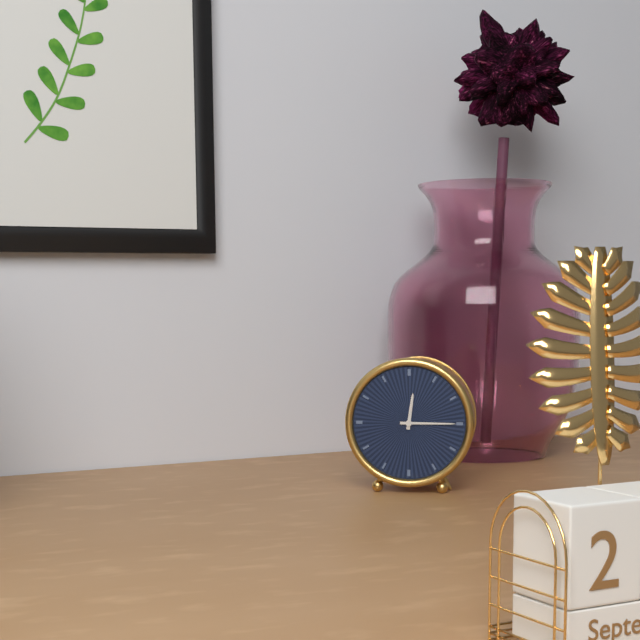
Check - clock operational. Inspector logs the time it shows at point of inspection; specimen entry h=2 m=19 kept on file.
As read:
h=12 m=15
